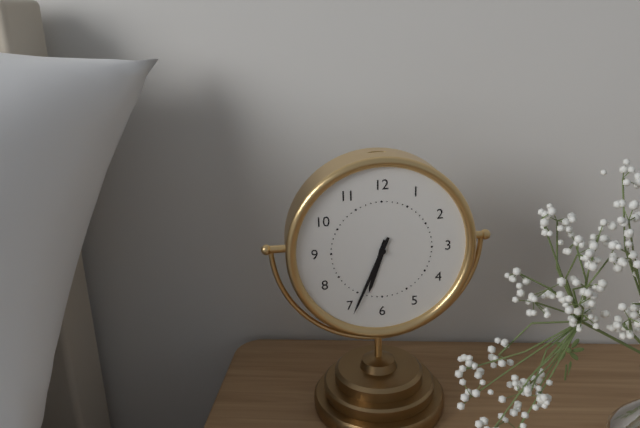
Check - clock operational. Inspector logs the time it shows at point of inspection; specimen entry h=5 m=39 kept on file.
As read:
h=6 m=34
